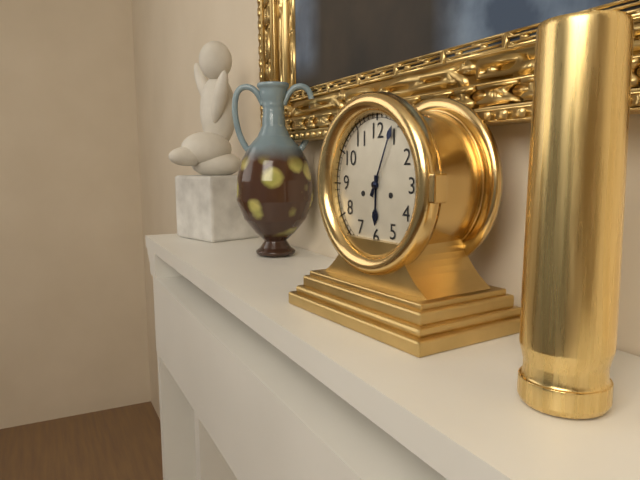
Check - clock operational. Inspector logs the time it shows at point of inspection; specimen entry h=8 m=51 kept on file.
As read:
h=6 m=4
